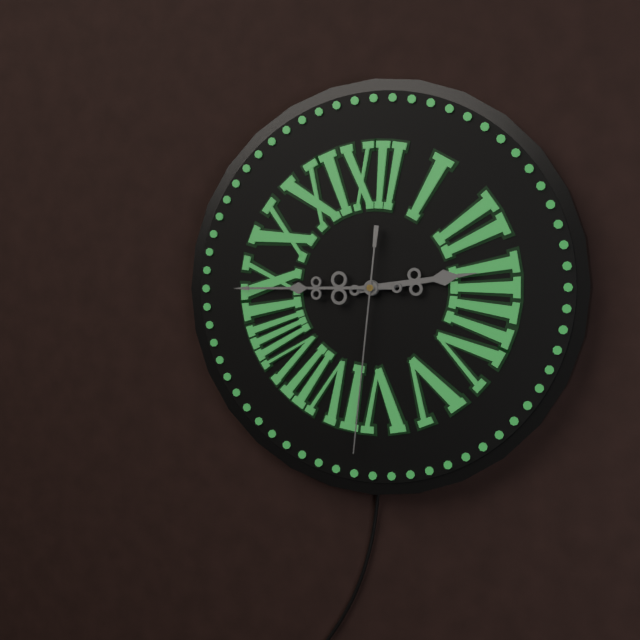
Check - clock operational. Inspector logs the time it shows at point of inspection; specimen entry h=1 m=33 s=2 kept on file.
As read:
h=2 m=45 s=31
